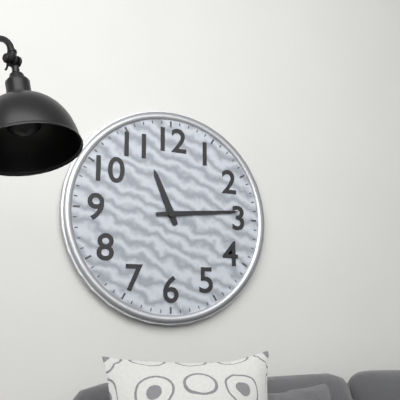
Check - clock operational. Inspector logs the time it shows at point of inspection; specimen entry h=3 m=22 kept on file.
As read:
h=11 m=14
